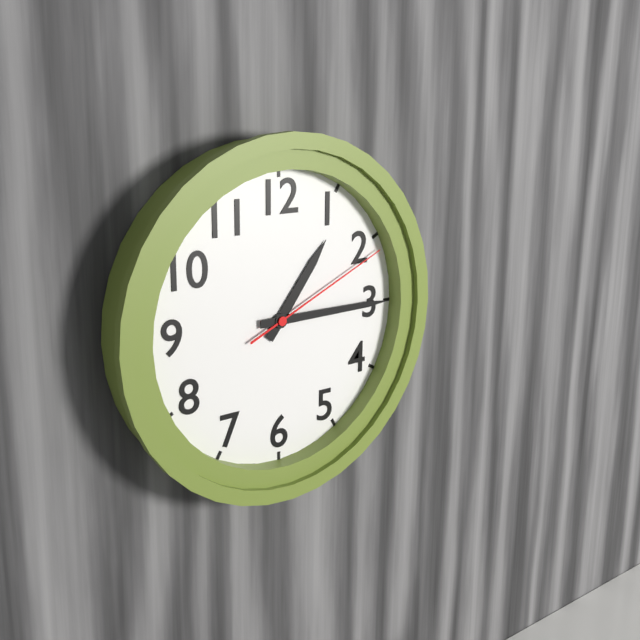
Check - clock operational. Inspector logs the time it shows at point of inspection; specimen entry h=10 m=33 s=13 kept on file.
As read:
h=1 m=15 s=11
